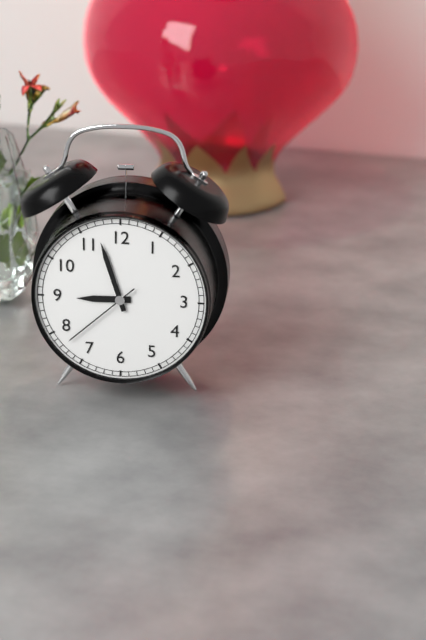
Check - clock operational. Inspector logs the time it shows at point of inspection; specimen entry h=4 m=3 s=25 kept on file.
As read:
h=8 m=57 s=38
